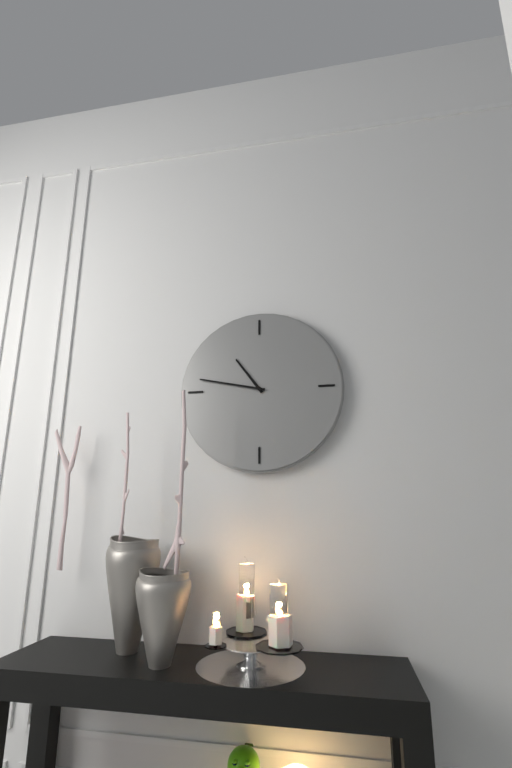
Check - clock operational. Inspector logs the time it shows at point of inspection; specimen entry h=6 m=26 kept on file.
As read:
h=10 m=47
